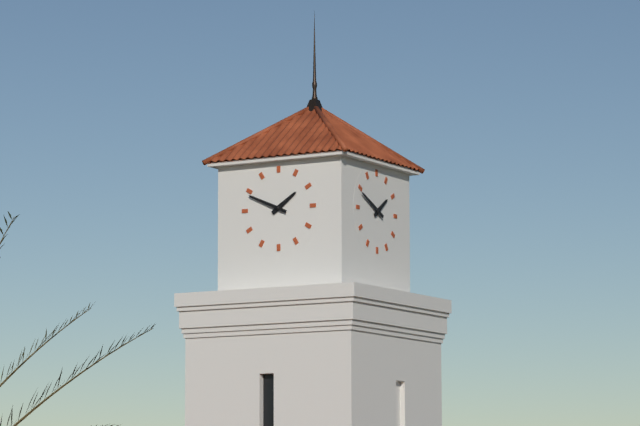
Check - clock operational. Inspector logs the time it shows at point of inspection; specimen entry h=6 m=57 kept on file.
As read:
h=1 m=49
